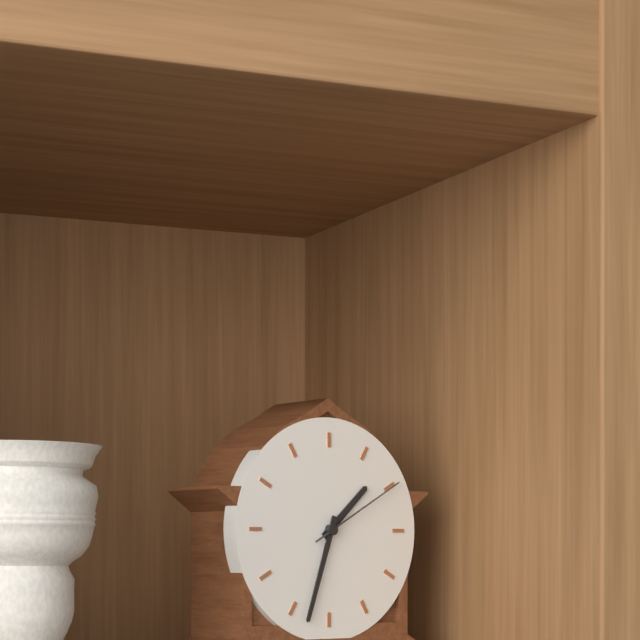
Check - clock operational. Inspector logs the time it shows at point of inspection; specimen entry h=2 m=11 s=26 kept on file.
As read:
h=1 m=33 s=10
